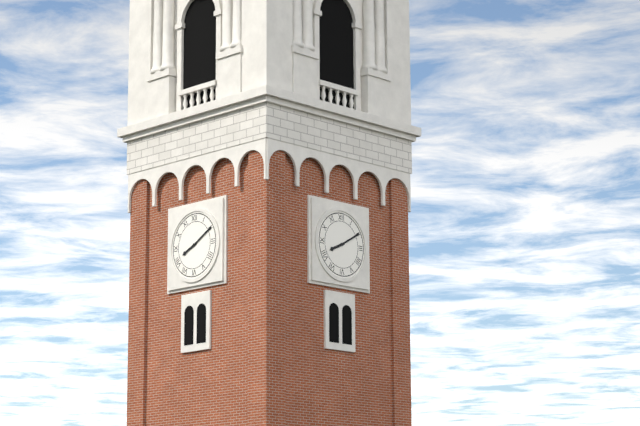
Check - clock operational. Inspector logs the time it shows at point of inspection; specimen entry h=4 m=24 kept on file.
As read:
h=8 m=10
